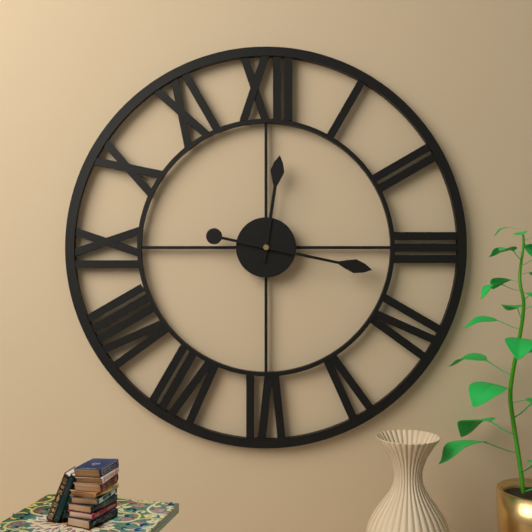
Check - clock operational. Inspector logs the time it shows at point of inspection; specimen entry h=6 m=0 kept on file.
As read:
h=12 m=17
